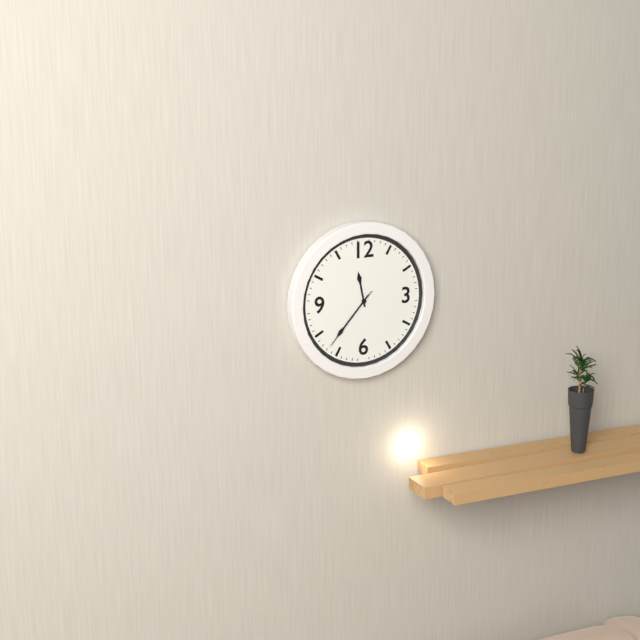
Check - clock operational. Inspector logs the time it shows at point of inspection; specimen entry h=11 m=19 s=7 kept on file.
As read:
h=11 m=37 s=37
